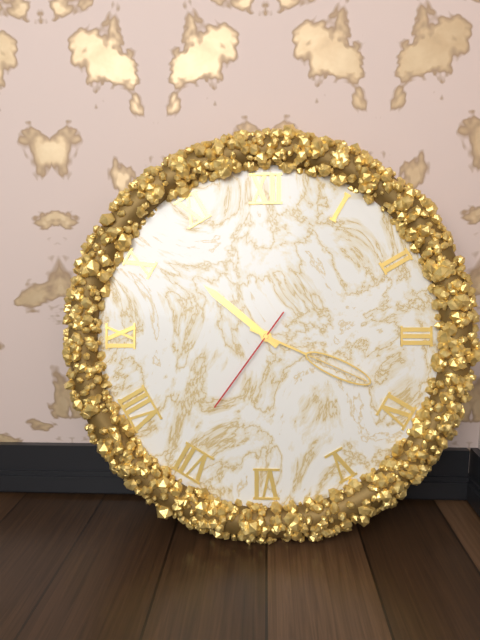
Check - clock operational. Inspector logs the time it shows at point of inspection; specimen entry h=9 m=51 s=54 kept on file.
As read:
h=10 m=19 s=36
